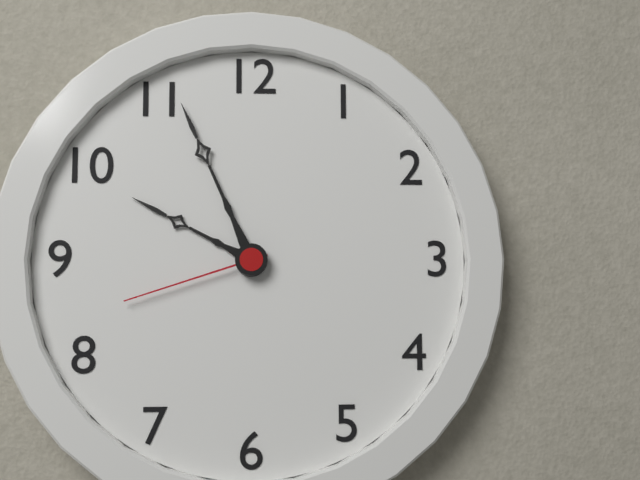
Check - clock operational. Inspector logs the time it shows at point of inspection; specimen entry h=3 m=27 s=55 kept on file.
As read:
h=9 m=56 s=42
